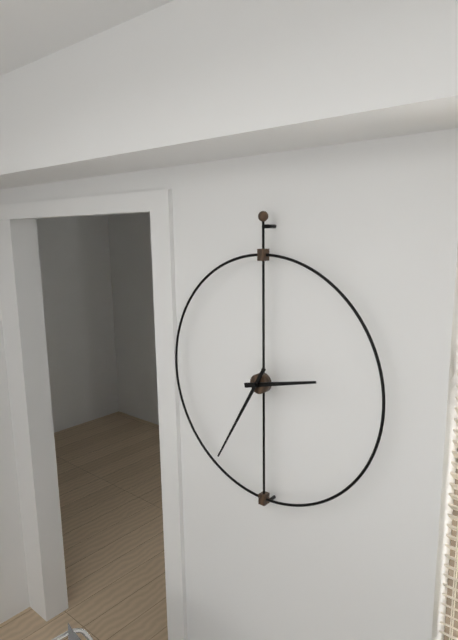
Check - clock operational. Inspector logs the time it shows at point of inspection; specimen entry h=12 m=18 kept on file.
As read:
h=2 m=35
